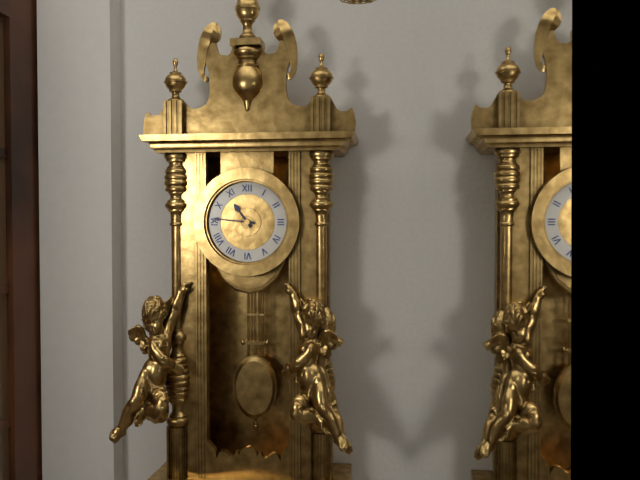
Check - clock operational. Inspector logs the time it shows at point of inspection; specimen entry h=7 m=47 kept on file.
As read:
h=10 m=46
